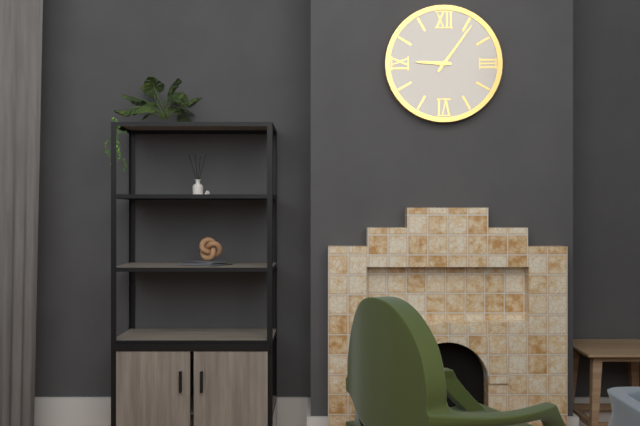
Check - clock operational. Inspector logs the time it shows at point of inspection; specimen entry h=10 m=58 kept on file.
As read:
h=9 m=6
